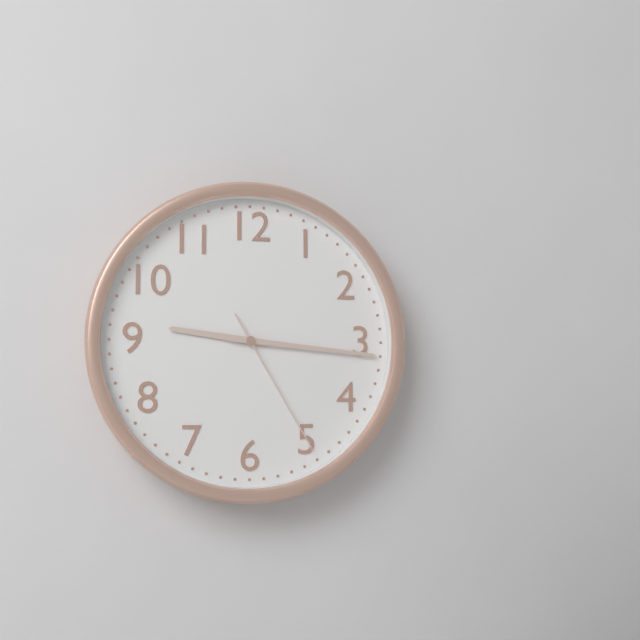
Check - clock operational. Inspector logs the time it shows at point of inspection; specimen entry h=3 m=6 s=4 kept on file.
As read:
h=9 m=16 s=25
